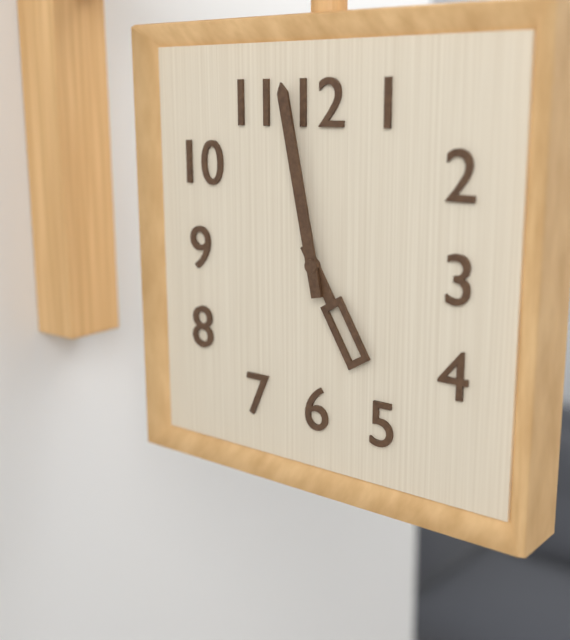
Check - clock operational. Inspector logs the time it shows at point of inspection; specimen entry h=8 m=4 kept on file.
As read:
h=4 m=58
